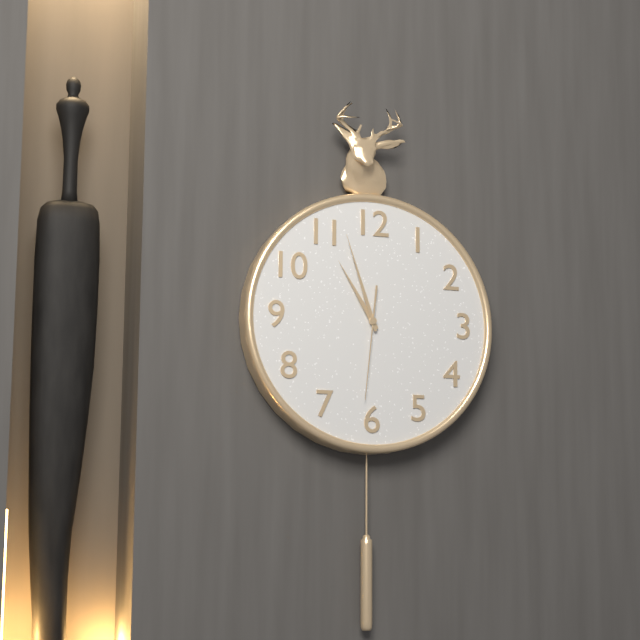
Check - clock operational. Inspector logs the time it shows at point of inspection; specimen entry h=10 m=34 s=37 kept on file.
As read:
h=10 m=57 s=31
